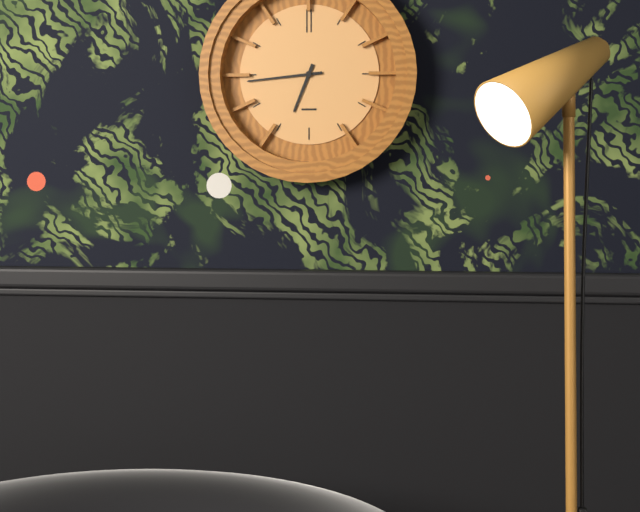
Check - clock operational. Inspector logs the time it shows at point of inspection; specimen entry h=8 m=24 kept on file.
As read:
h=6 m=44
